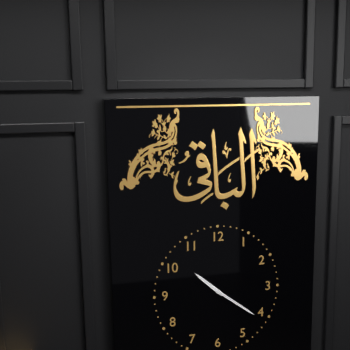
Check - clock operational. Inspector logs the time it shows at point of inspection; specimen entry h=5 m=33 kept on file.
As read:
h=10 m=21
